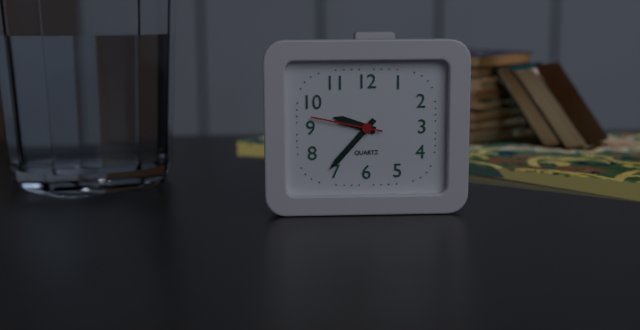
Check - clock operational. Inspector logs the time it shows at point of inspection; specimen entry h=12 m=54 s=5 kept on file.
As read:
h=9 m=37 s=47
